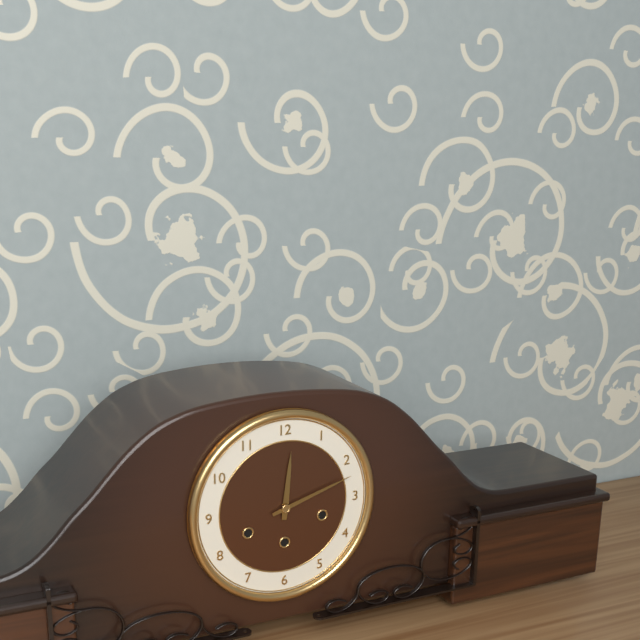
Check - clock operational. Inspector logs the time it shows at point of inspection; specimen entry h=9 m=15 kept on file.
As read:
h=12 m=12
